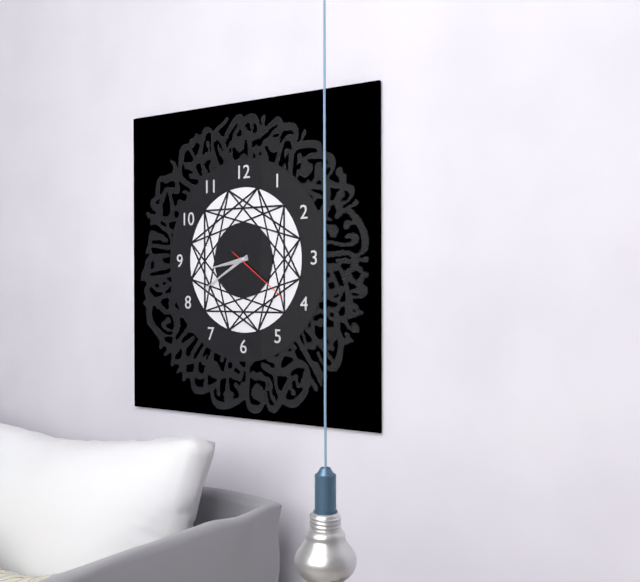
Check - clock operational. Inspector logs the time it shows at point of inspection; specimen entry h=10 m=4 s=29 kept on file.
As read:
h=8 m=40 s=21
